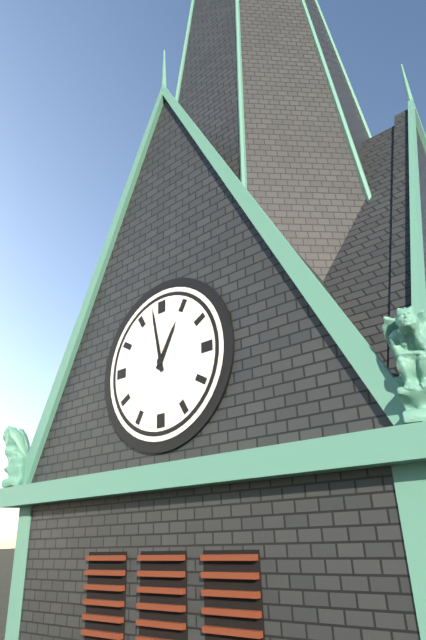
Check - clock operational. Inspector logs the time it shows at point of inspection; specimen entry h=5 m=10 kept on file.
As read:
h=12 m=58
